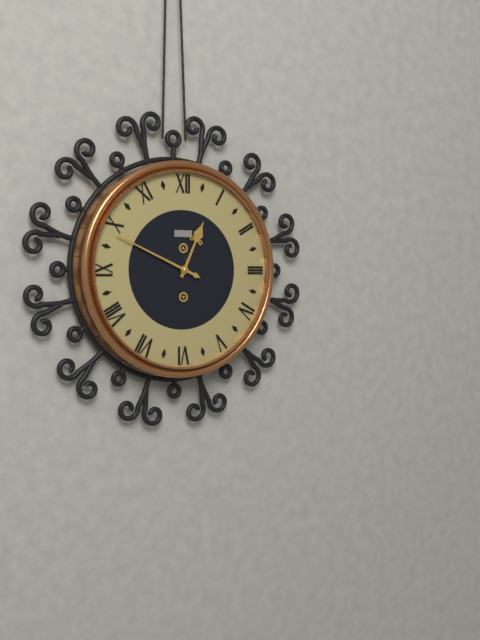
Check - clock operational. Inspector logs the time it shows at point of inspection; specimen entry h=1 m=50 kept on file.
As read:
h=12 m=49
